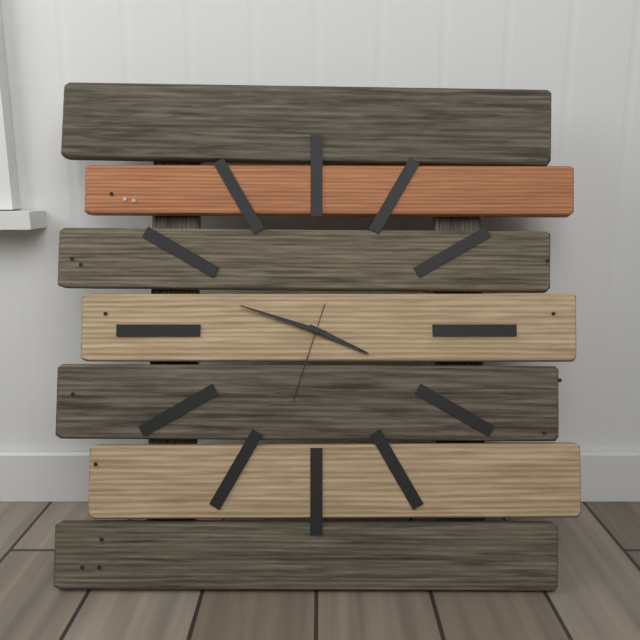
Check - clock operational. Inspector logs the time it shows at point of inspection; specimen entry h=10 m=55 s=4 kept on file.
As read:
h=3 m=48 s=33
